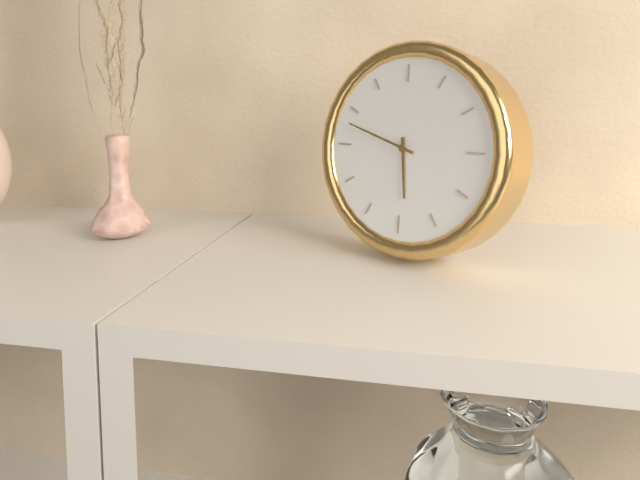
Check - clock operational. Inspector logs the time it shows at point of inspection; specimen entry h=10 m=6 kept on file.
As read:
h=5 m=48
